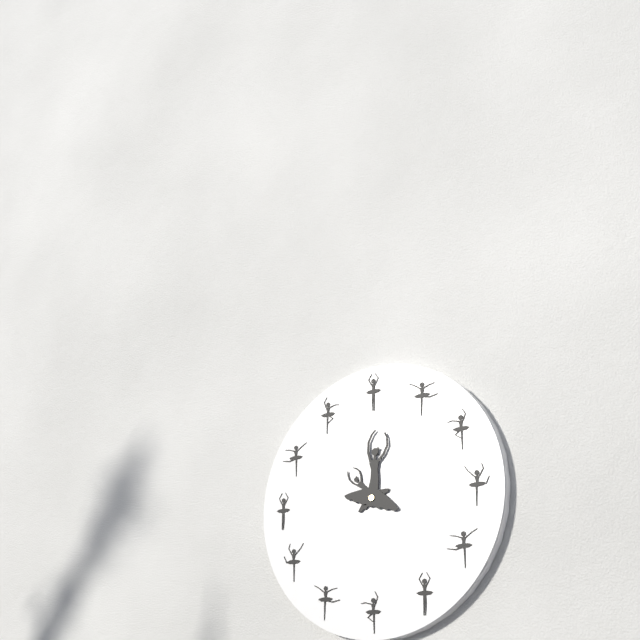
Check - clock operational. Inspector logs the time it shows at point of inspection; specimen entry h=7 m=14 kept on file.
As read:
h=11 m=3
